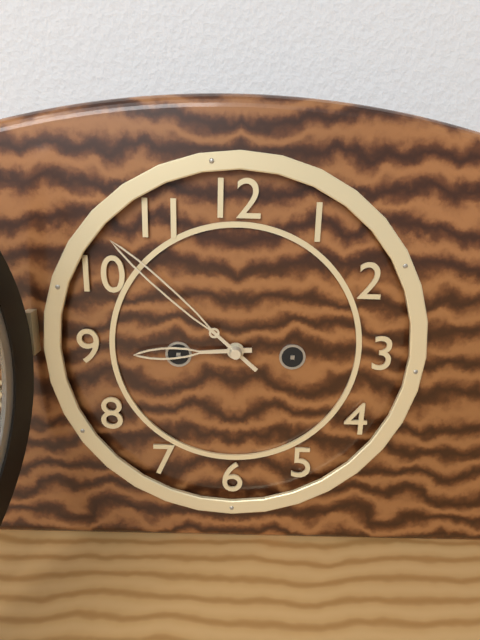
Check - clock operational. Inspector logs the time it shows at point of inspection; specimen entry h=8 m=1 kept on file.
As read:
h=8 m=52
